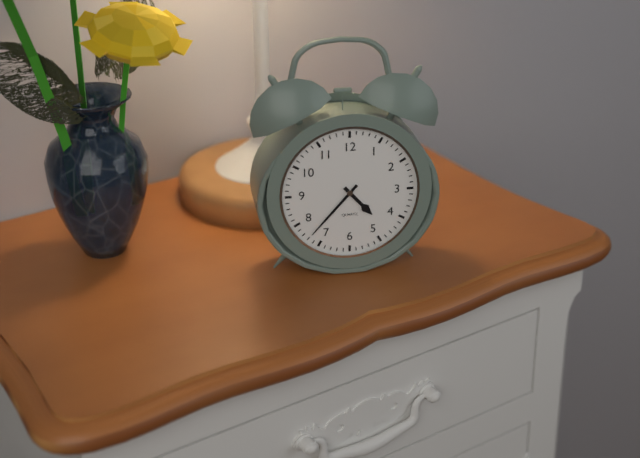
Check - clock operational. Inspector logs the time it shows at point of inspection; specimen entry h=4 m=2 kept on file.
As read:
h=4 m=37
